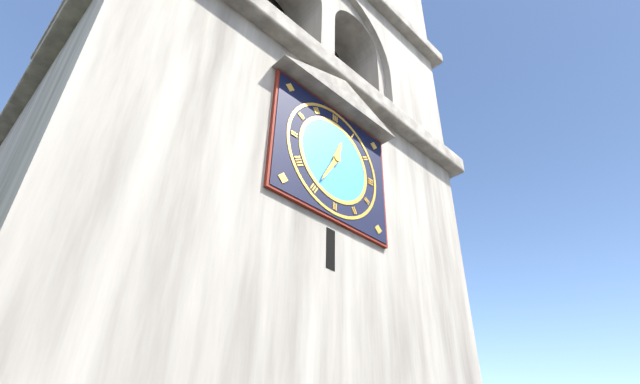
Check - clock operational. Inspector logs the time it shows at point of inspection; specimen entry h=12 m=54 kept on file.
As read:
h=12 m=35
